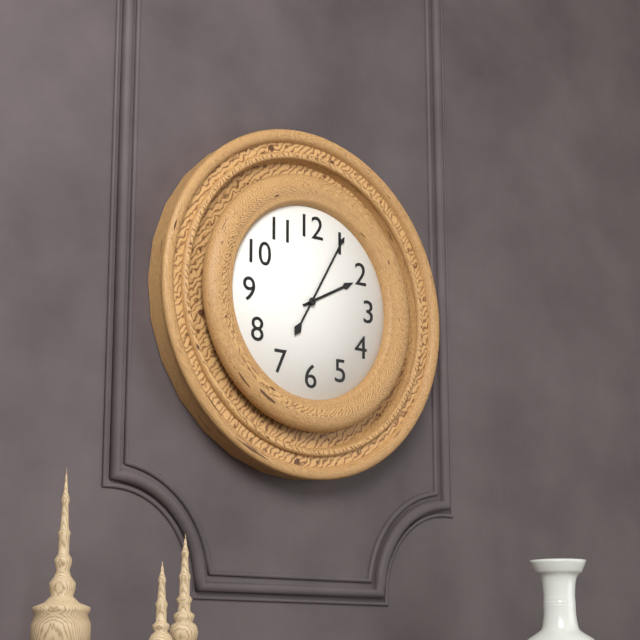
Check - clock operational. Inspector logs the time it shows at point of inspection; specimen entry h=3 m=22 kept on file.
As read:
h=2 m=5
